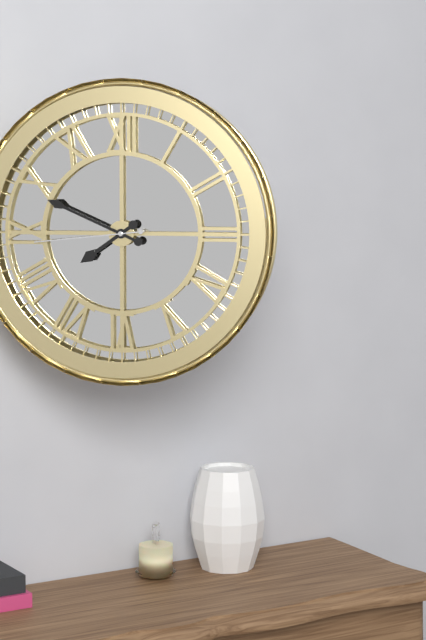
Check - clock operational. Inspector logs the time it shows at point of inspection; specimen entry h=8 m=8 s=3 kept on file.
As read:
h=7 m=49 s=44
